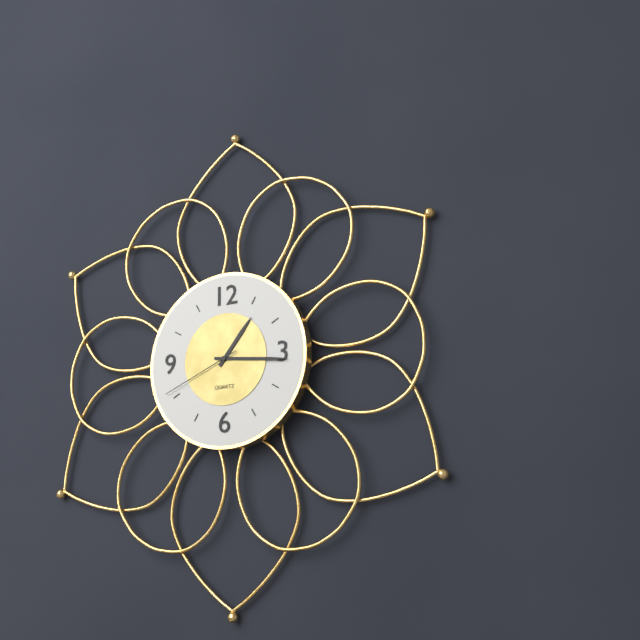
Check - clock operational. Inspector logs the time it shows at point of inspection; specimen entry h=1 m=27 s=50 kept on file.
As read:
h=1 m=16 s=41
